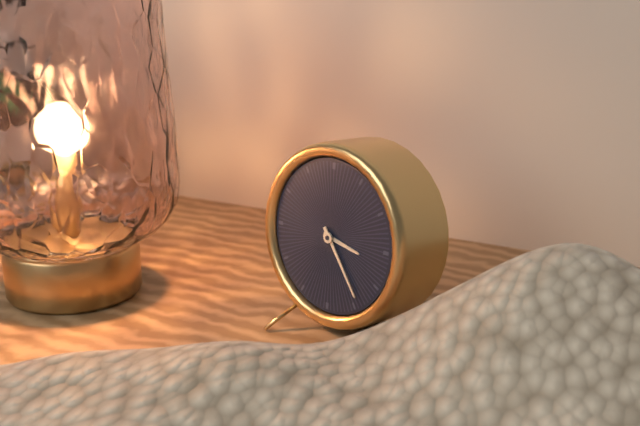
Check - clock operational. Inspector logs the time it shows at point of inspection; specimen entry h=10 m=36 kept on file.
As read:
h=3 m=24
